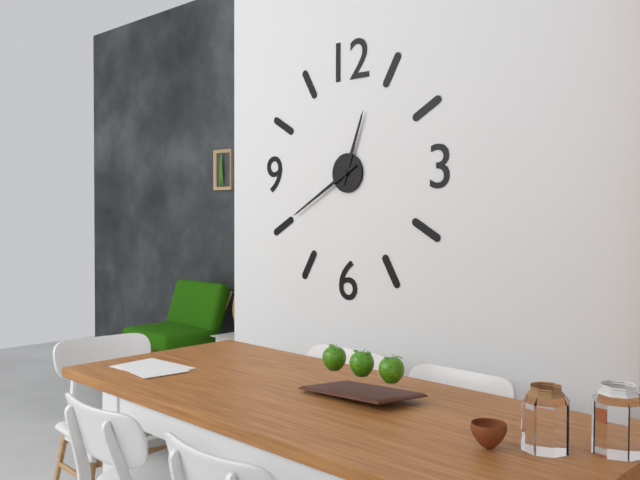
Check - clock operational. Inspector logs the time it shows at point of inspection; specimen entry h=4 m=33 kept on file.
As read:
h=12 m=40
